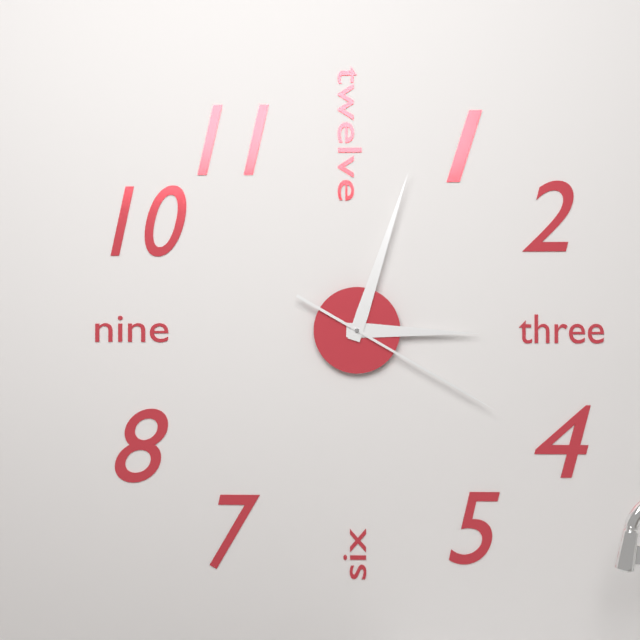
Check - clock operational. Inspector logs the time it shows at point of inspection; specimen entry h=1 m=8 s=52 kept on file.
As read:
h=3 m=3 s=20
